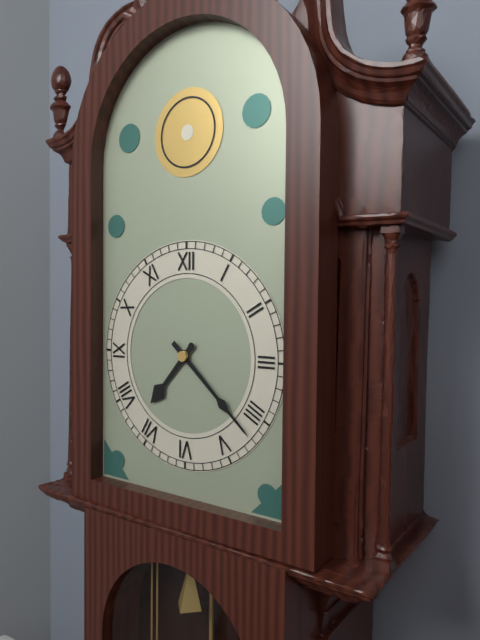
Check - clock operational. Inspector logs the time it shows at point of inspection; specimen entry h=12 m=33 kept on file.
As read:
h=7 m=22
